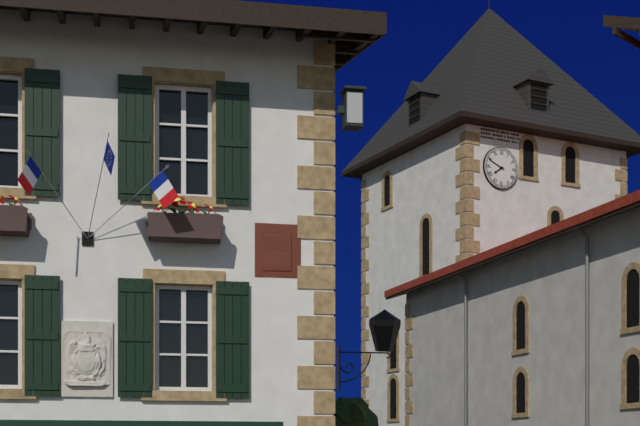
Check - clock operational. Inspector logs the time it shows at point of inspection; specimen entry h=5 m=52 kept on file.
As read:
h=7 m=49
